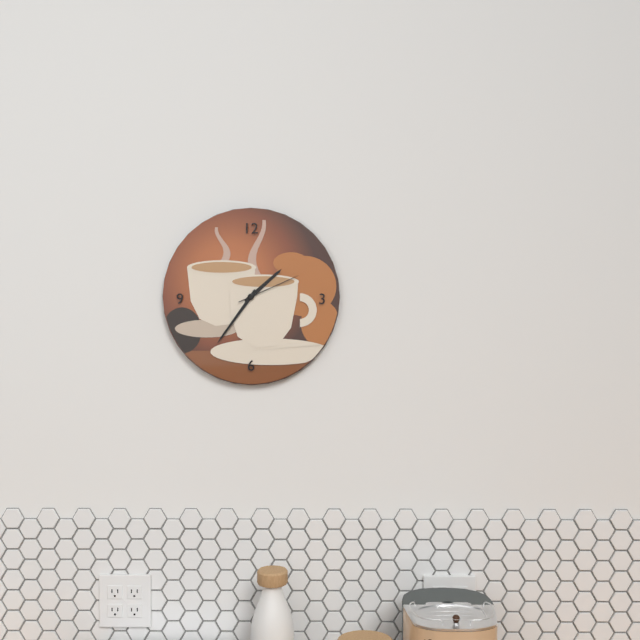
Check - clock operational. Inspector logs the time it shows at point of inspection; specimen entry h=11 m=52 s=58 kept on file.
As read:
h=1 m=36 s=11
